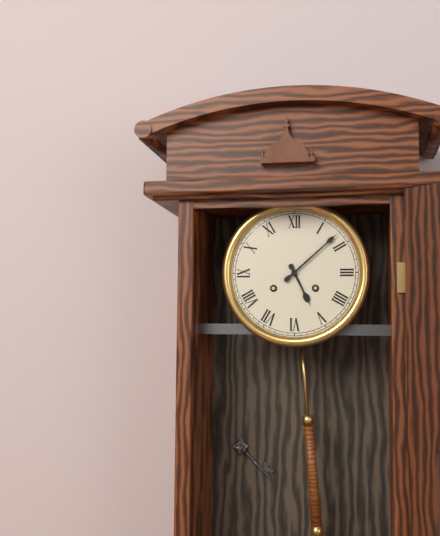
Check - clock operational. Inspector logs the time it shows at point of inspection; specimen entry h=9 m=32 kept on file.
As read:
h=5 m=8
